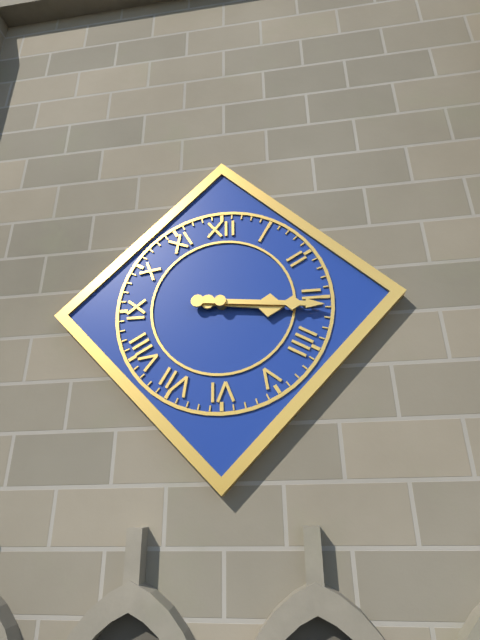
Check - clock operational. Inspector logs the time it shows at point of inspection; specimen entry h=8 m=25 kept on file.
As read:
h=3 m=16
